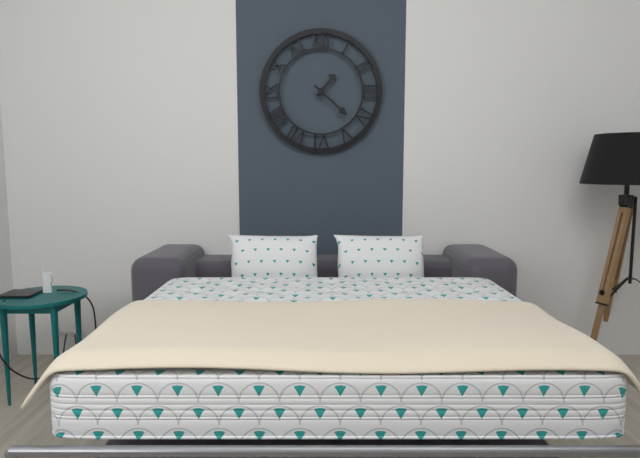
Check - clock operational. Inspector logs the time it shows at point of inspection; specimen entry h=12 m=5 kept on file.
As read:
h=1 m=22
